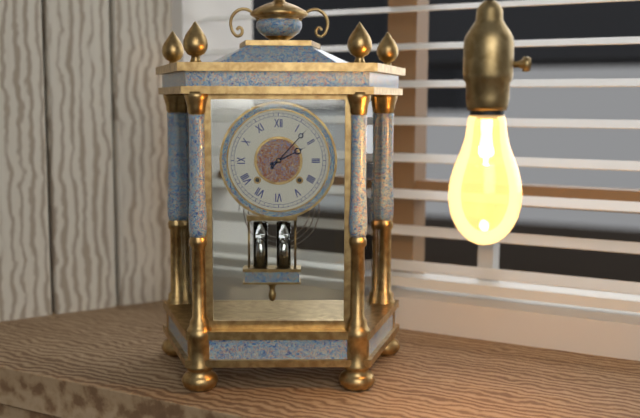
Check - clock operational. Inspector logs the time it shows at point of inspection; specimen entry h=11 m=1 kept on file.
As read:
h=2 m=7
